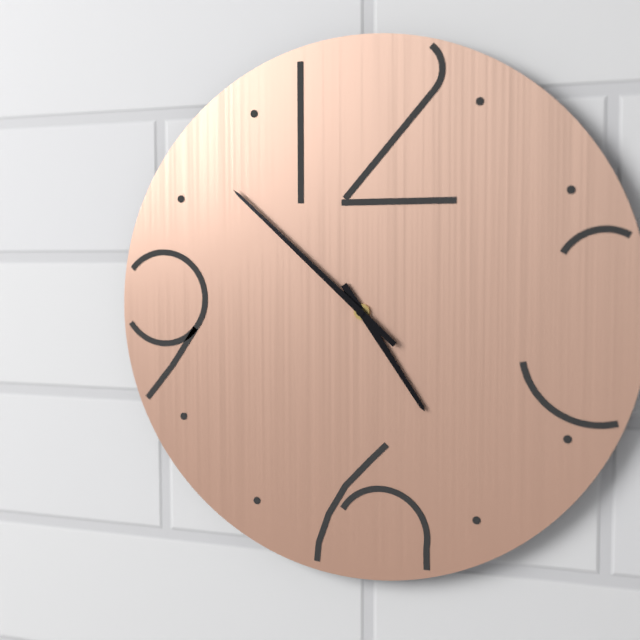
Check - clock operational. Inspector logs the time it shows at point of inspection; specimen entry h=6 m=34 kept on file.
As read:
h=4 m=52
